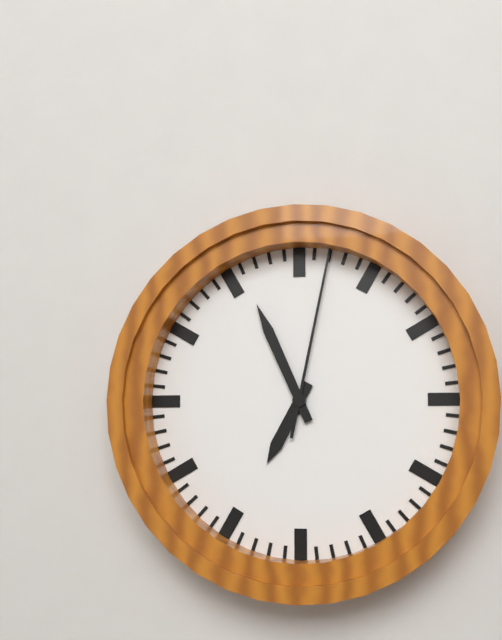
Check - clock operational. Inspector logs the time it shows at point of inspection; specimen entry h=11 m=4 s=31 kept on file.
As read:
h=6 m=56 s=2
